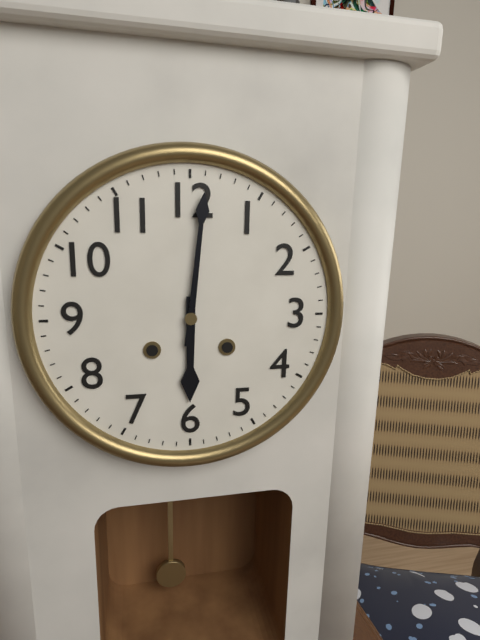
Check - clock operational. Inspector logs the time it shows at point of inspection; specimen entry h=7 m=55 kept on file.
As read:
h=6 m=1
